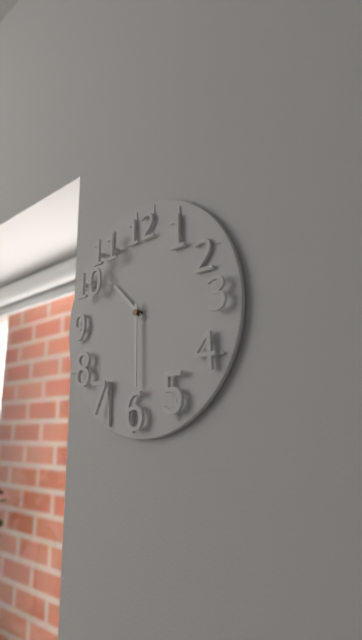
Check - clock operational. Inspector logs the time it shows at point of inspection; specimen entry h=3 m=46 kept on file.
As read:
h=10 m=30
